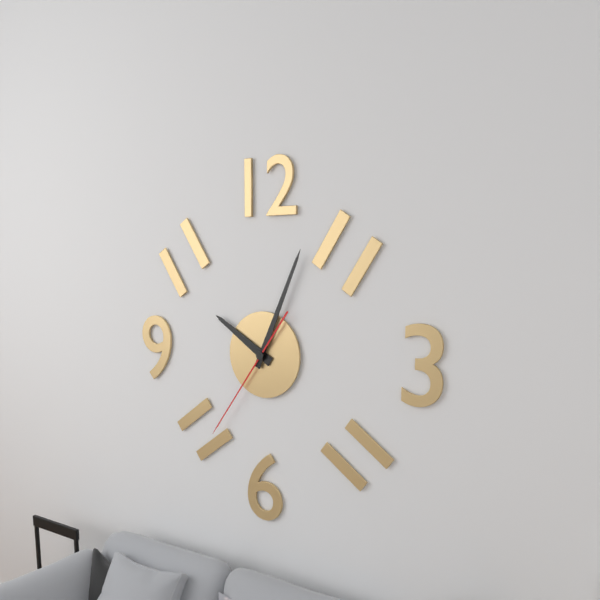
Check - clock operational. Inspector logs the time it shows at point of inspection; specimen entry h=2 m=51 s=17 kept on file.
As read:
h=10 m=4 s=36
